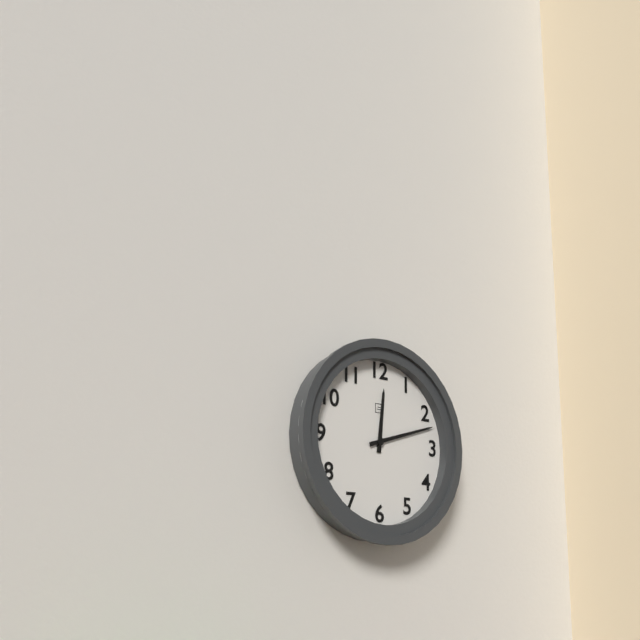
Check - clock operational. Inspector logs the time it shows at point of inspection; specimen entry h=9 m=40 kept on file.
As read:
h=12 m=12
